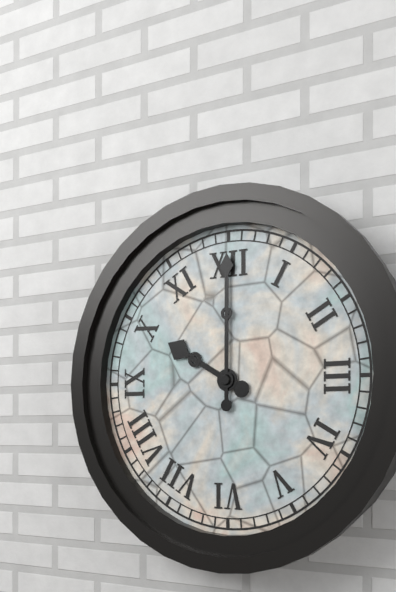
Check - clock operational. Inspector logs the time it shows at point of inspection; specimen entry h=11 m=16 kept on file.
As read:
h=10 m=0
